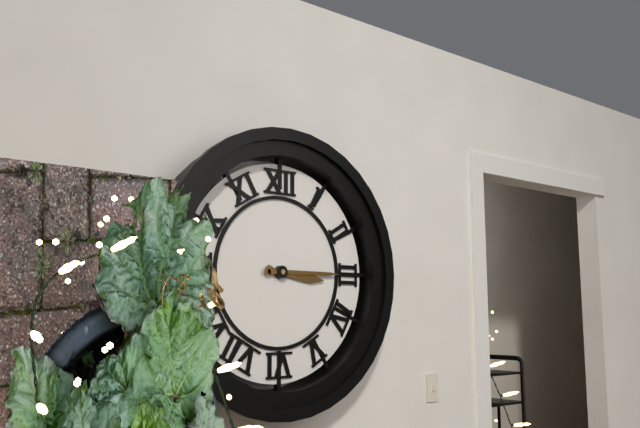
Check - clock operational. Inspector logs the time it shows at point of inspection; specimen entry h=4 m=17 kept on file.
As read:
h=3 m=15
